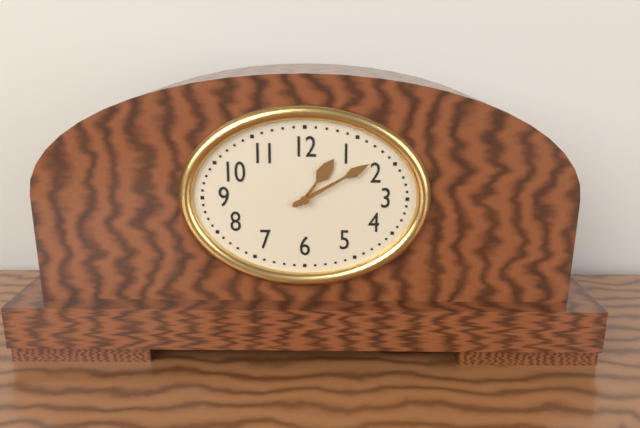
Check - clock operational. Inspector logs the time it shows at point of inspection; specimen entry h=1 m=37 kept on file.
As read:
h=1 m=10
